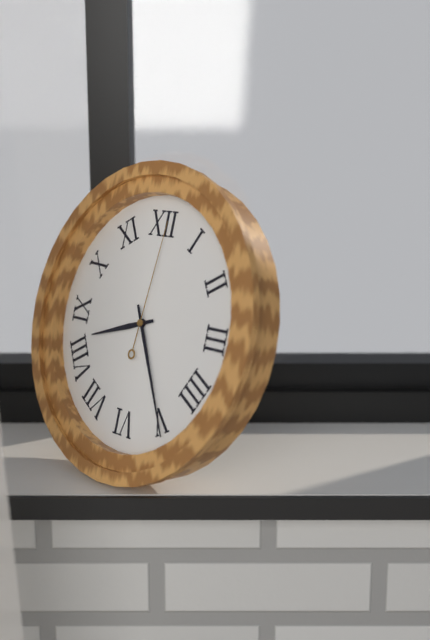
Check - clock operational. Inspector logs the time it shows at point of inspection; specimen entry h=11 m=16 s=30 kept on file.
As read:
h=8 m=25 s=1
